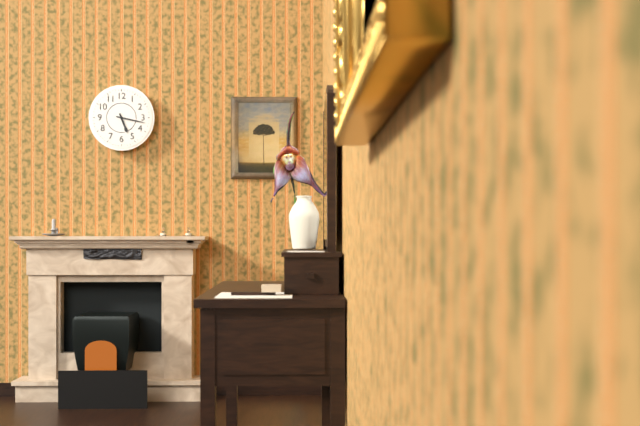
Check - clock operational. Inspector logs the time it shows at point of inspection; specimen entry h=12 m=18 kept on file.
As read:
h=5 m=17
